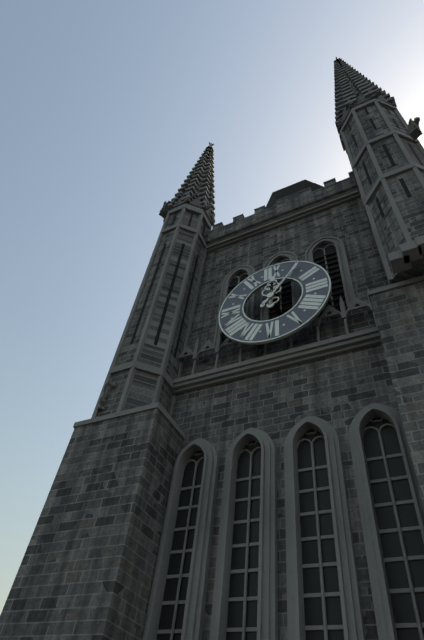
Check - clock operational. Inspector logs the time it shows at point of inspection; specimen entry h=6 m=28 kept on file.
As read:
h=12 m=6
